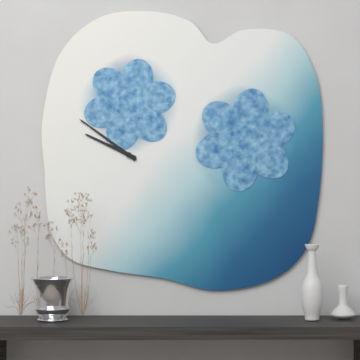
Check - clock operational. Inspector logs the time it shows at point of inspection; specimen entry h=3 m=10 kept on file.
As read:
h=9 m=51
